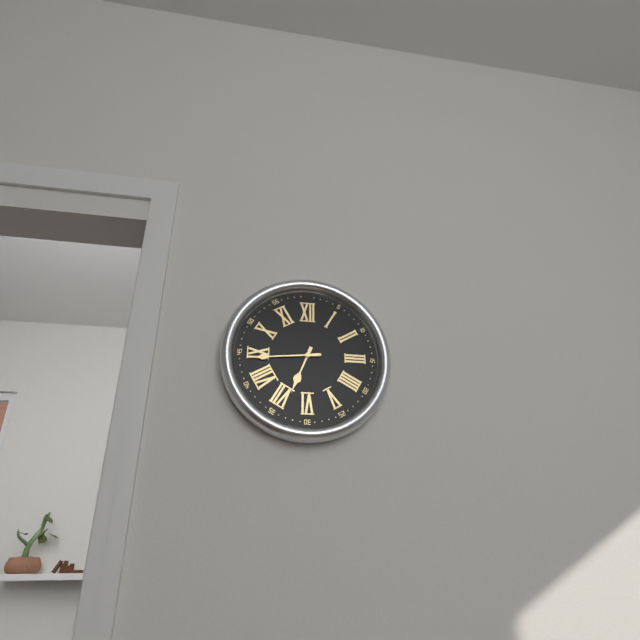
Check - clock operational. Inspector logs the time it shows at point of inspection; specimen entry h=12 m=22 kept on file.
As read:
h=6 m=44
